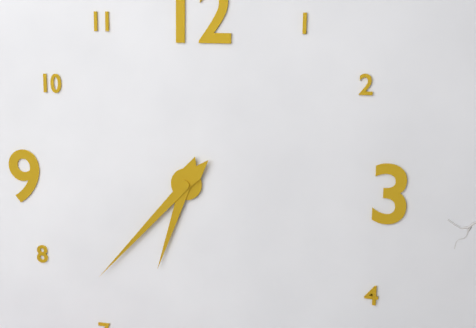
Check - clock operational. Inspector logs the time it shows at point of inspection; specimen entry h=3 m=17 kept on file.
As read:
h=6 m=37
